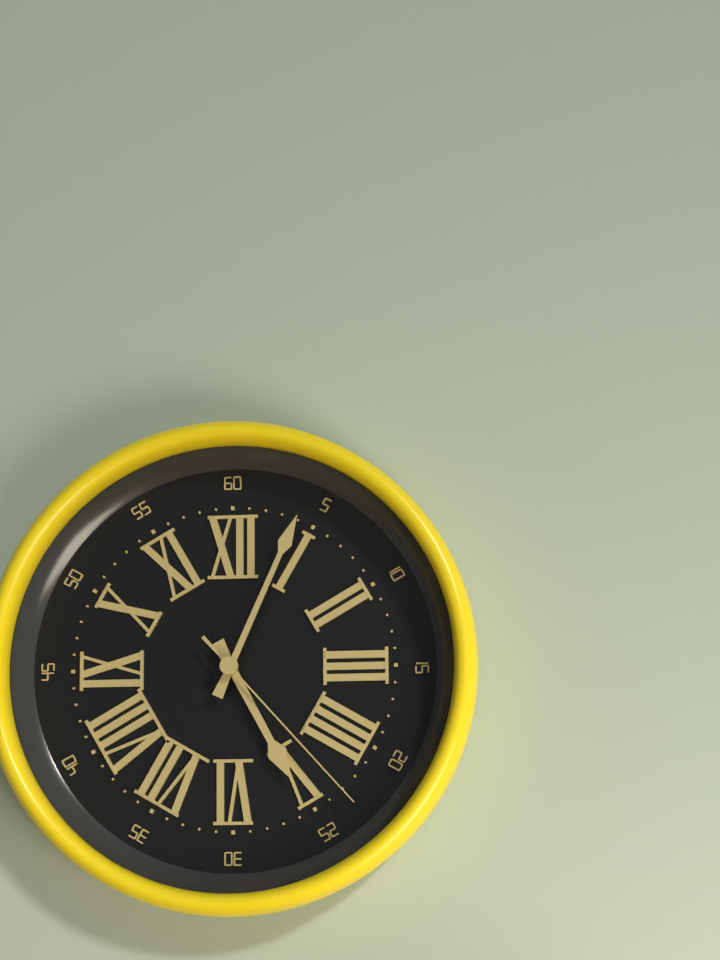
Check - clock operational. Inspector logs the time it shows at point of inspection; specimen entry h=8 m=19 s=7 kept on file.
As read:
h=5 m=4 s=23
